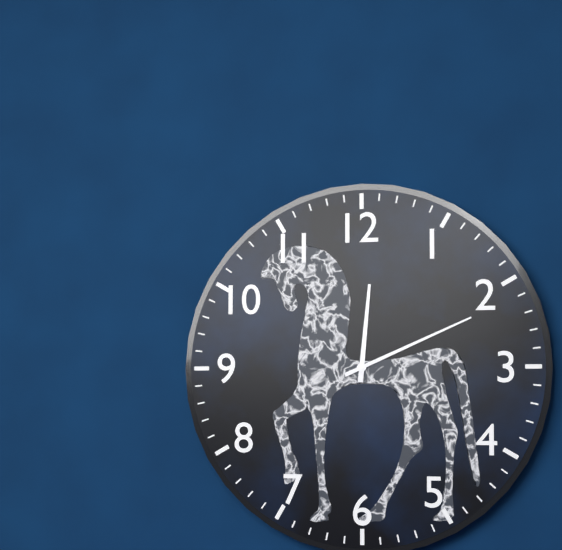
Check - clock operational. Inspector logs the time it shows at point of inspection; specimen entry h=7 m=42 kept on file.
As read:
h=12 m=11
